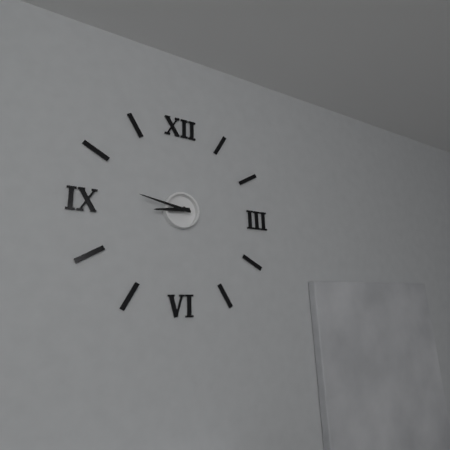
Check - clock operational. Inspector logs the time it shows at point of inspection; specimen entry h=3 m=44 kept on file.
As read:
h=8 m=47
